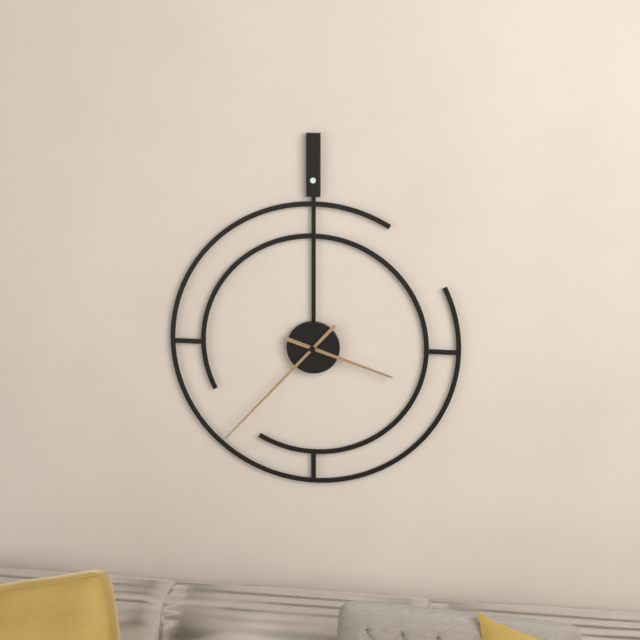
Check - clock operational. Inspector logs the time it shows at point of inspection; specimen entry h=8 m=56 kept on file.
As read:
h=3 m=37
